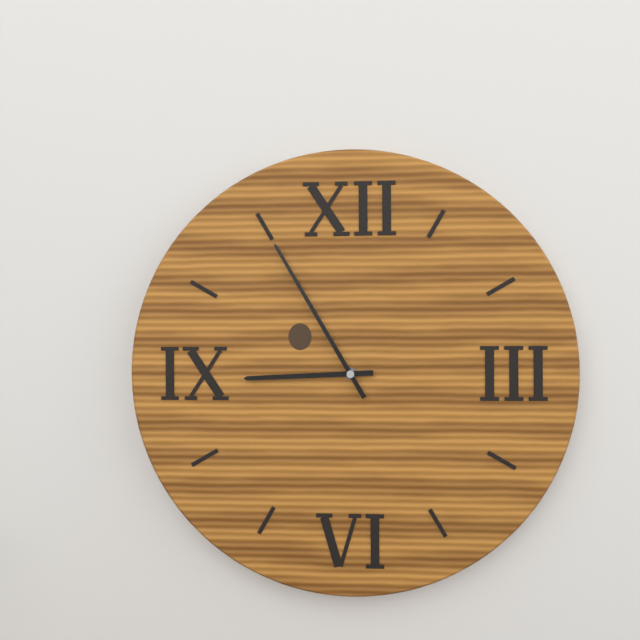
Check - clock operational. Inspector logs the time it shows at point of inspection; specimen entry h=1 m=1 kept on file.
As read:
h=8 m=55
